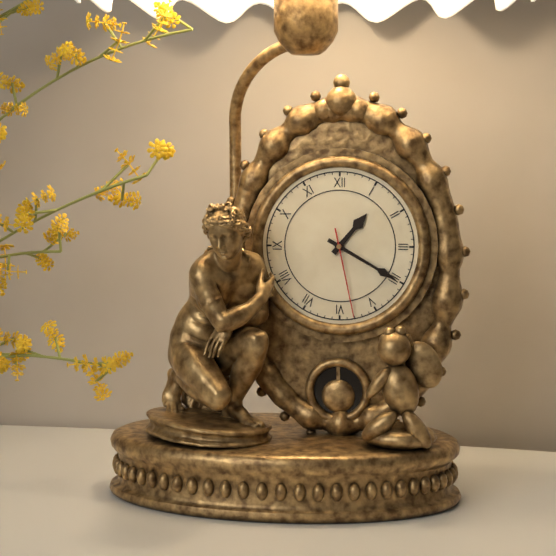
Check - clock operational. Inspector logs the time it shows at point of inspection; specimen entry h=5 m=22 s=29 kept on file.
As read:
h=1 m=20 s=28
